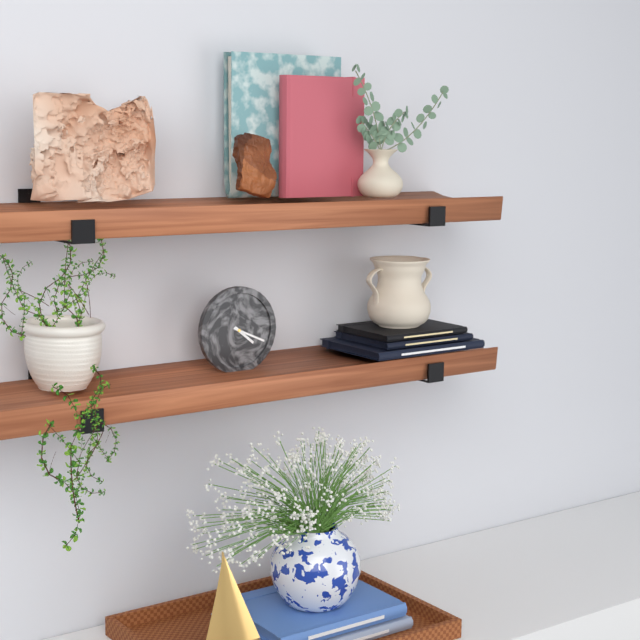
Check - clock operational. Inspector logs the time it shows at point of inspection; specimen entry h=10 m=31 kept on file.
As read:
h=4 m=19
